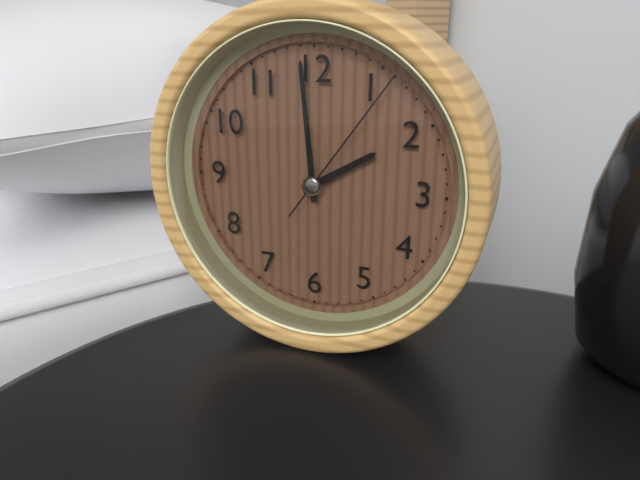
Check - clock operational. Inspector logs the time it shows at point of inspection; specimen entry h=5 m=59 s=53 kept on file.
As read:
h=1 m=59 s=6
